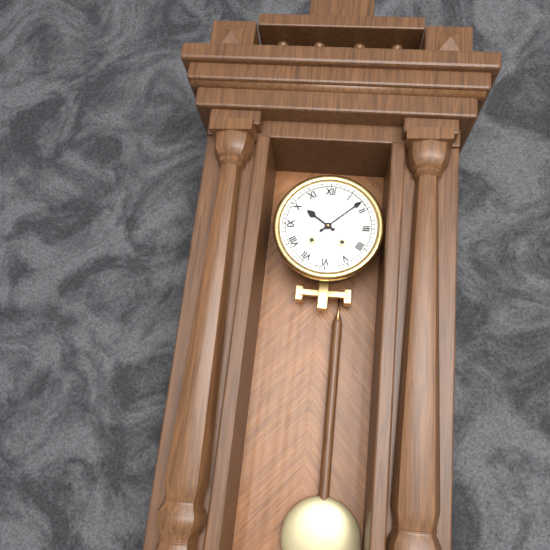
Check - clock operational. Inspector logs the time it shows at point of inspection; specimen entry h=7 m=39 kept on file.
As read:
h=10 m=8
